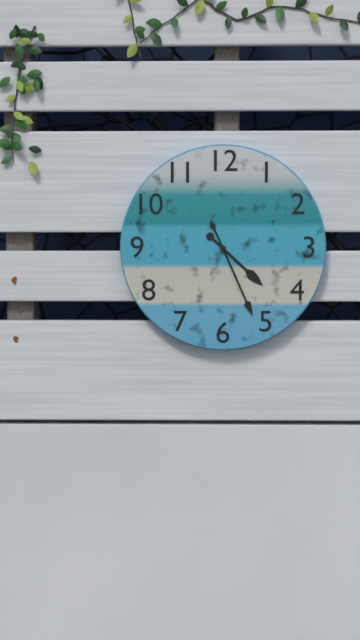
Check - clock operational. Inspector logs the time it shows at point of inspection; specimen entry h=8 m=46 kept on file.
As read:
h=4 m=26
